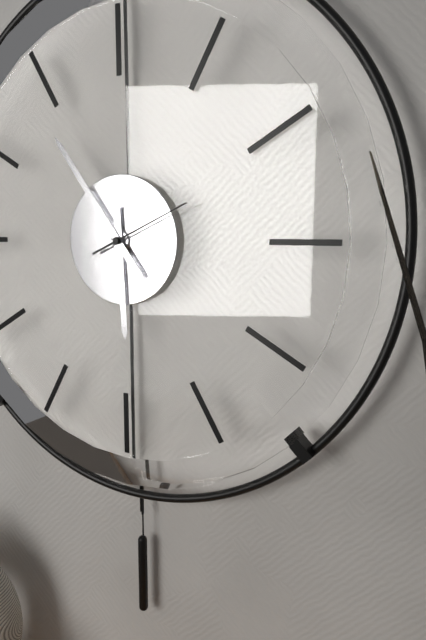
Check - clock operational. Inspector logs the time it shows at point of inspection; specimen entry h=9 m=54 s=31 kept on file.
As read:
h=5 m=54 s=11
